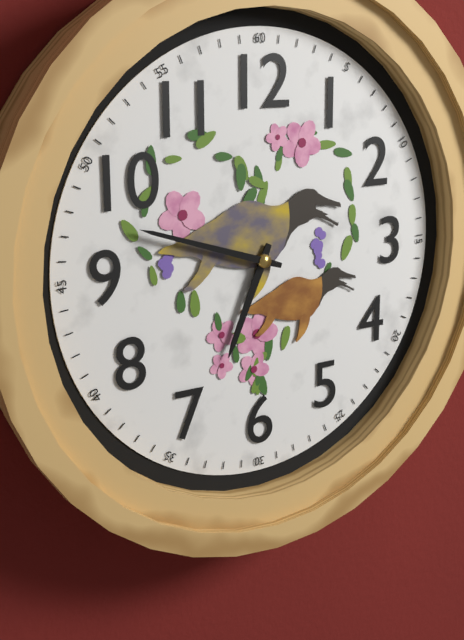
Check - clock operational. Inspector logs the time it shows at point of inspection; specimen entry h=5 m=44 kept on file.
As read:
h=6 m=48
